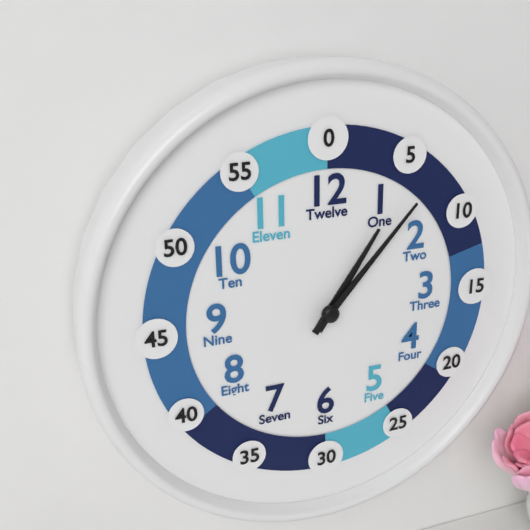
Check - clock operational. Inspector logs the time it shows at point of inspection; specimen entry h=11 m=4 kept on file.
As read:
h=1 m=7
